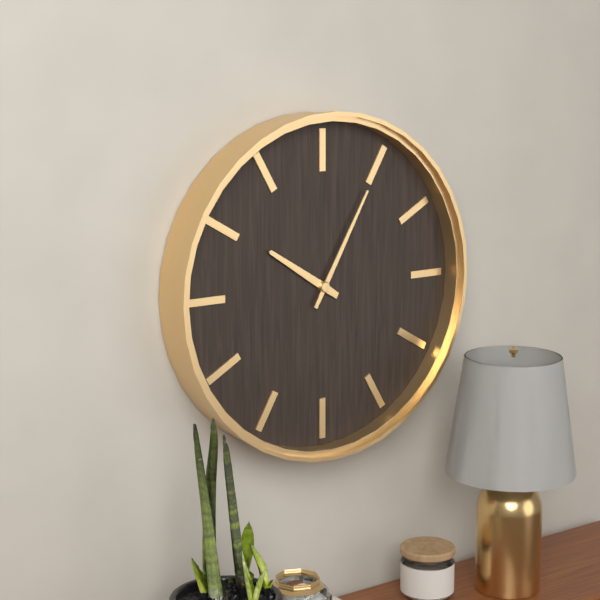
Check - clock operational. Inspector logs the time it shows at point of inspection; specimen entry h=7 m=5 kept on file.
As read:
h=10 m=5
